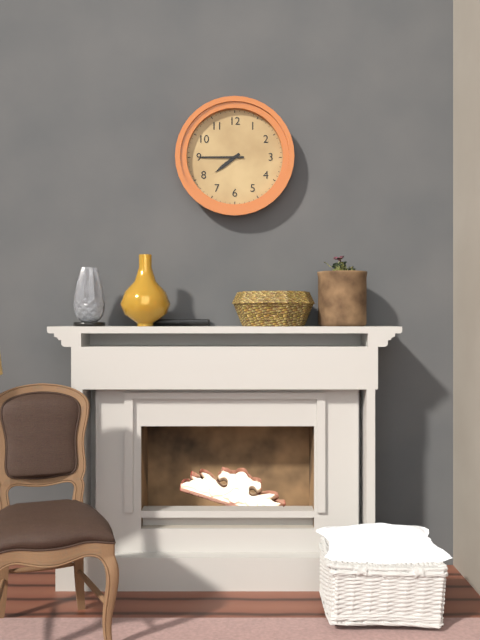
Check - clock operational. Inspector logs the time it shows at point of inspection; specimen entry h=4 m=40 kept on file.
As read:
h=7 m=45
